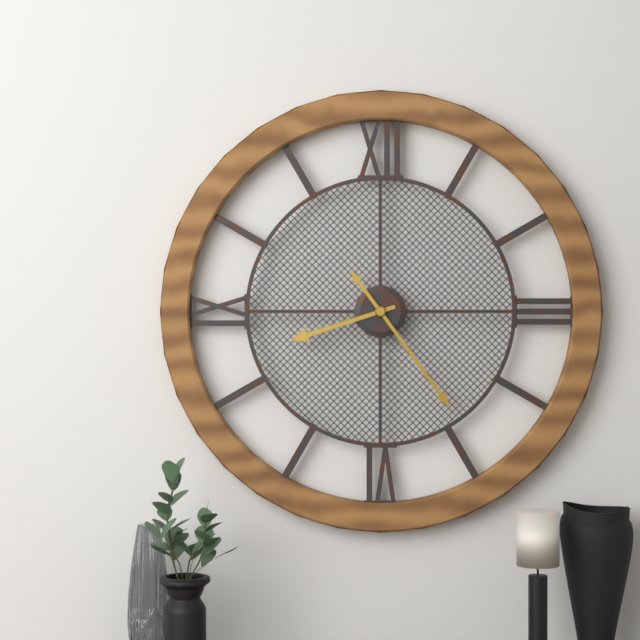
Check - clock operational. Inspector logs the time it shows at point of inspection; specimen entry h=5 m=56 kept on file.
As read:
h=8 m=24
